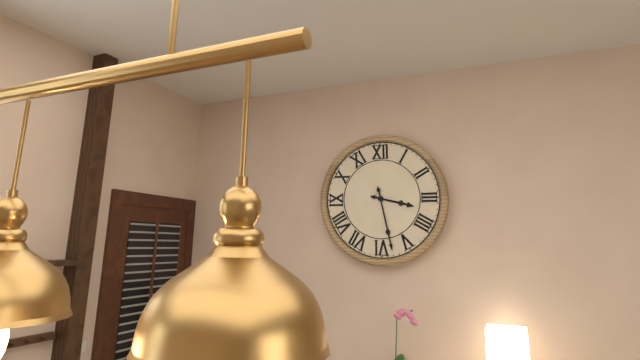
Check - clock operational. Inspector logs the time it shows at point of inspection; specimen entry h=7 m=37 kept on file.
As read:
h=3 m=28
